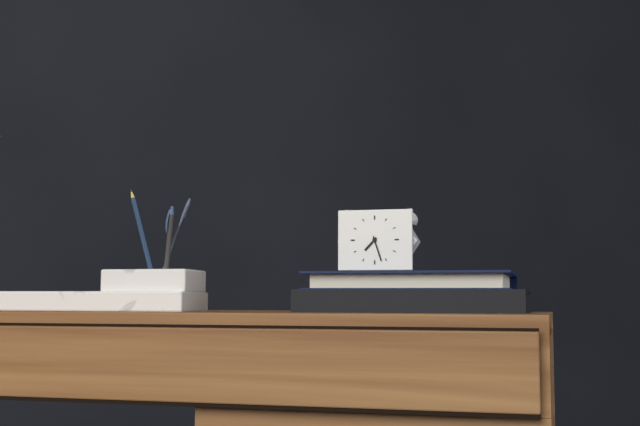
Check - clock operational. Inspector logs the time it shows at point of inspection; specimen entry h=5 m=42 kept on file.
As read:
h=7 m=27
